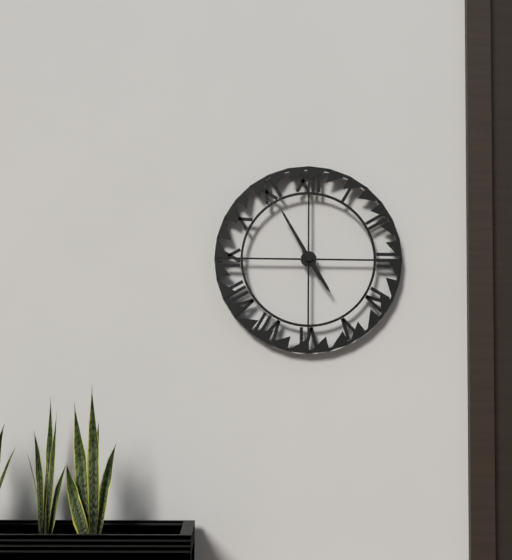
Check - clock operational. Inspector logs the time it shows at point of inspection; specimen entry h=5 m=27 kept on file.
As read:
h=4 m=55
